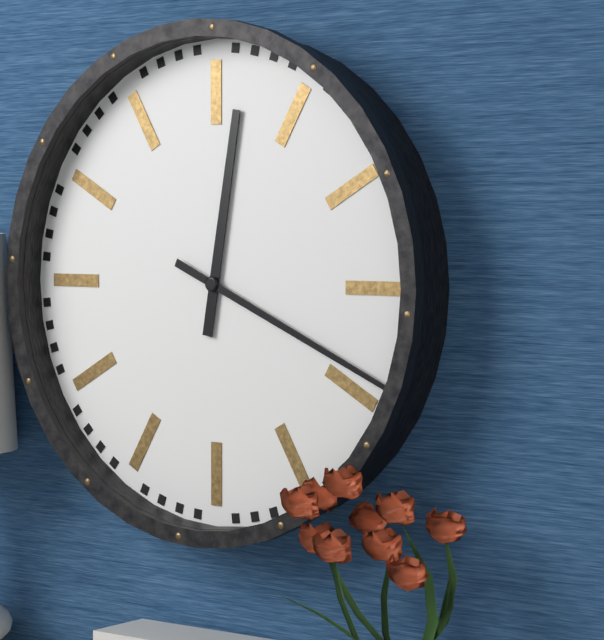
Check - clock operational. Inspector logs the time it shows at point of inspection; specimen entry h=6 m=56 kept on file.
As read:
h=12 m=19
